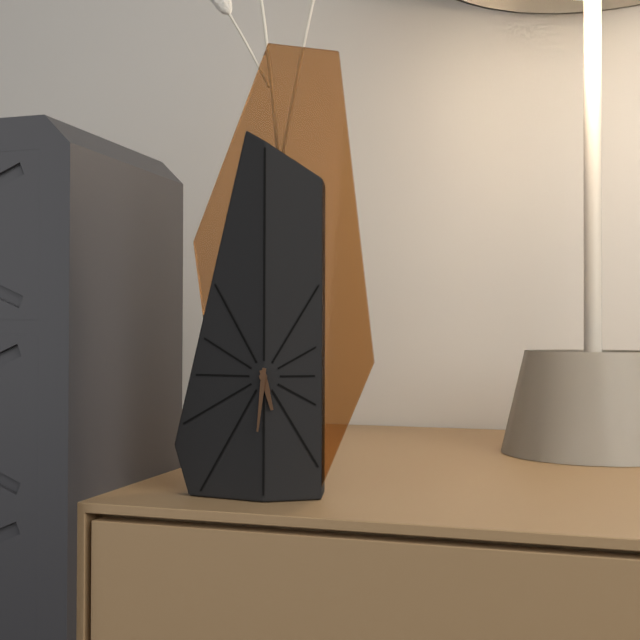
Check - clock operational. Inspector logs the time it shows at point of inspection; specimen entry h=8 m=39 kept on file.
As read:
h=5 m=31
